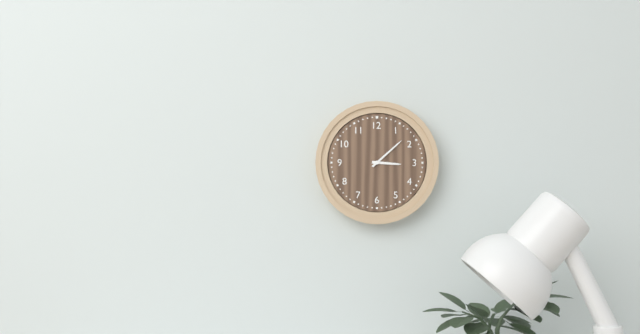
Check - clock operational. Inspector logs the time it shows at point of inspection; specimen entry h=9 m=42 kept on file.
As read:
h=3 m=8
